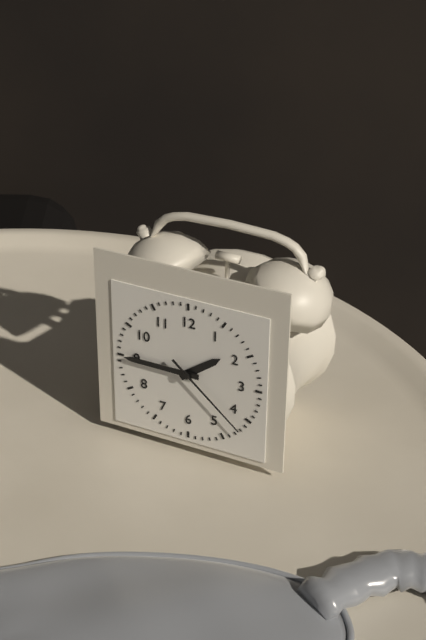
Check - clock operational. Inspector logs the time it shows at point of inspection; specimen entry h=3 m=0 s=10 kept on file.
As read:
h=1 m=45 s=22
